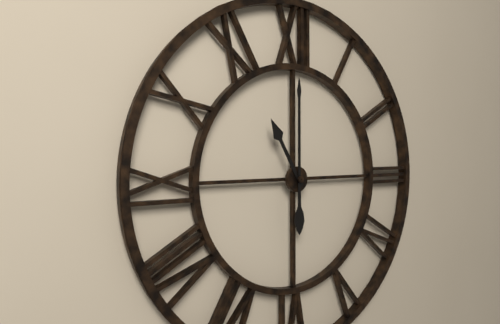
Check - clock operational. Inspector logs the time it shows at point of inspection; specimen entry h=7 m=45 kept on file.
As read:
h=11 m=0
